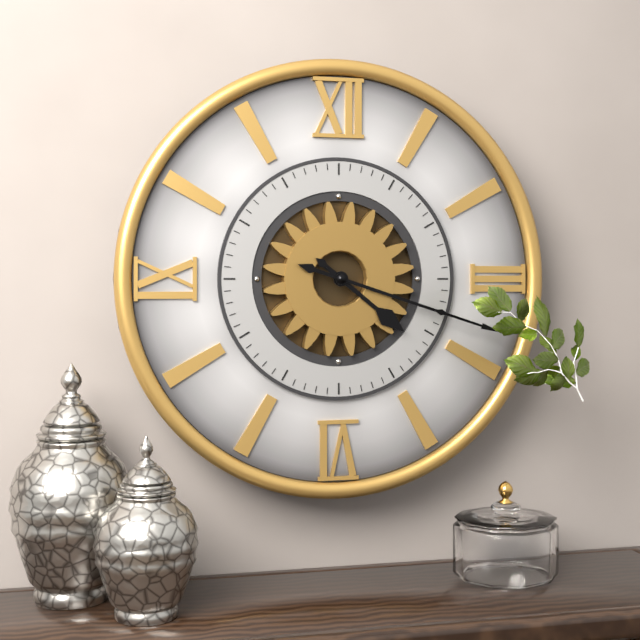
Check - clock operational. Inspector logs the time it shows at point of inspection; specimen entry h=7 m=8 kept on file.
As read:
h=4 m=18
